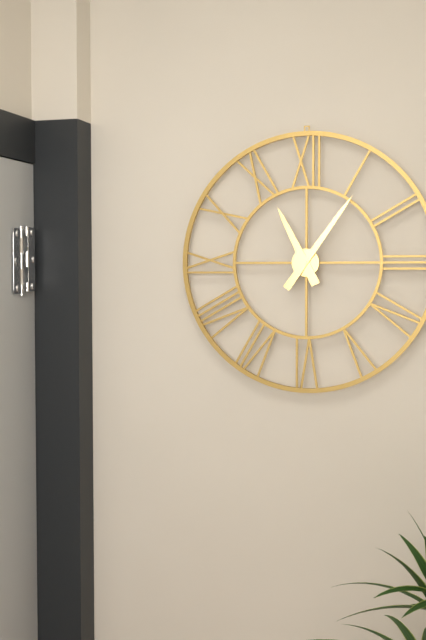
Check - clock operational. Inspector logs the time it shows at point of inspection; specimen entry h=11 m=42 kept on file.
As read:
h=11 m=6
